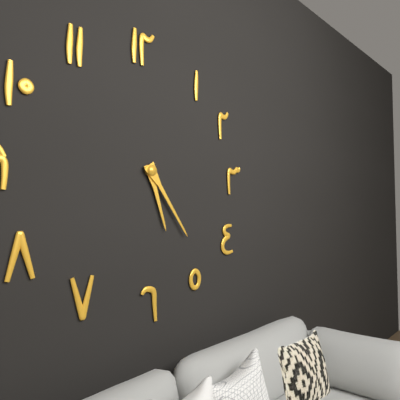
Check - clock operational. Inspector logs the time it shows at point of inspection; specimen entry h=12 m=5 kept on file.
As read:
h=5 m=24
